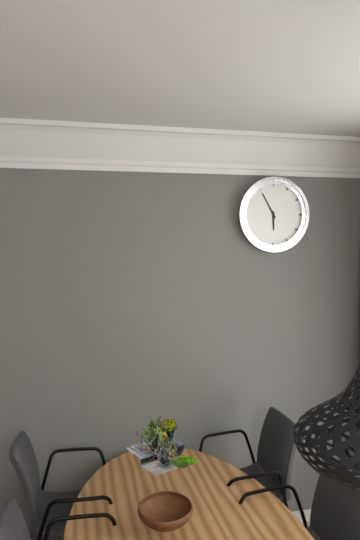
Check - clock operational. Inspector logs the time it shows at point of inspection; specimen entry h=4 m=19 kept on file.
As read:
h=5 m=55
